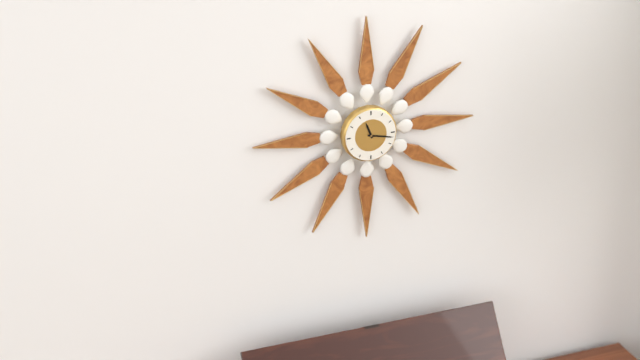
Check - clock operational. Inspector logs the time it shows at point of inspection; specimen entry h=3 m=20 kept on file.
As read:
h=11 m=17
